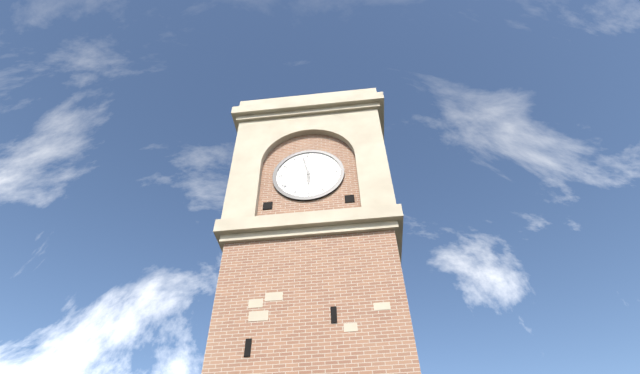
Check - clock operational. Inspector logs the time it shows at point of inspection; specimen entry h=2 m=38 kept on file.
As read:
h=5 m=58
